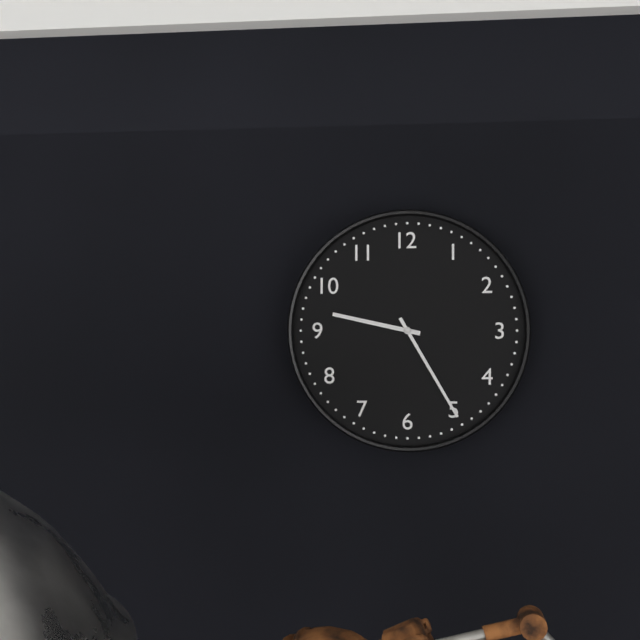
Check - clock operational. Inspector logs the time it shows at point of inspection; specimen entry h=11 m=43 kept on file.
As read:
h=9 m=25
